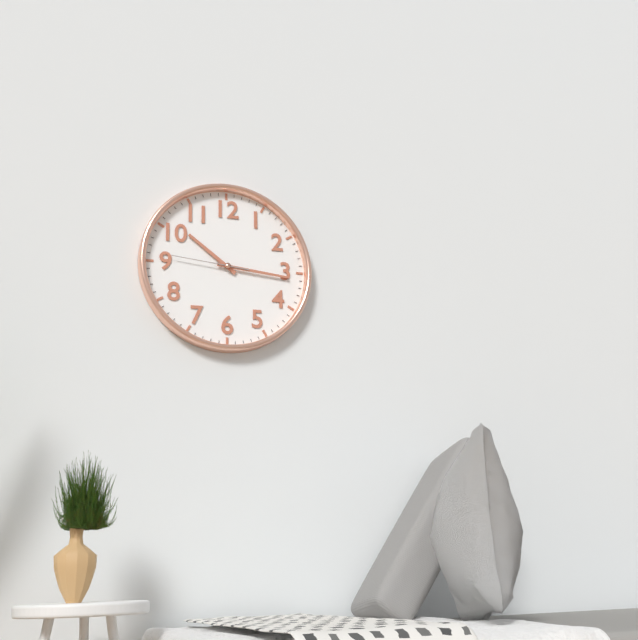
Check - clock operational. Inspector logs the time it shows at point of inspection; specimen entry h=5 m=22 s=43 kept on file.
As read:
h=10 m=16 s=46
